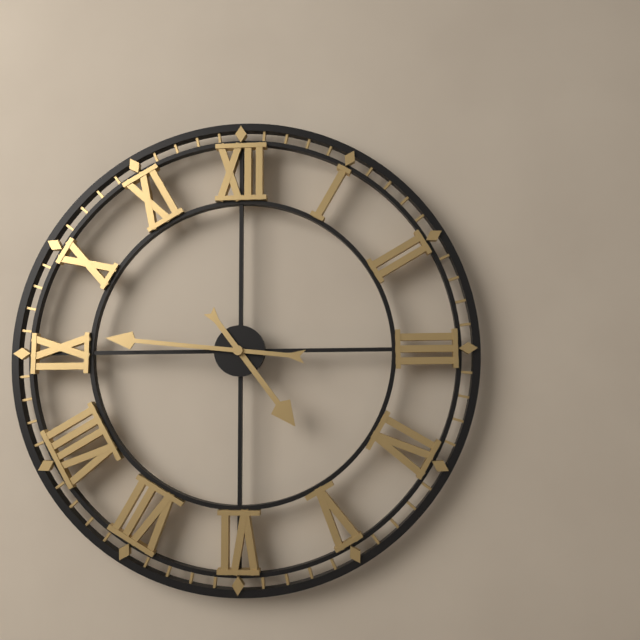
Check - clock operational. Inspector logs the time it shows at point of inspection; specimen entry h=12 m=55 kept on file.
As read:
h=4 m=46
